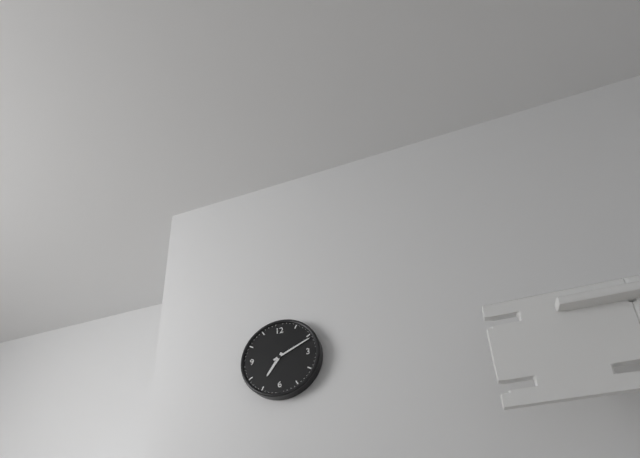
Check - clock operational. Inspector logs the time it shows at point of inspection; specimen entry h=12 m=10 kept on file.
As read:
h=7 m=11
